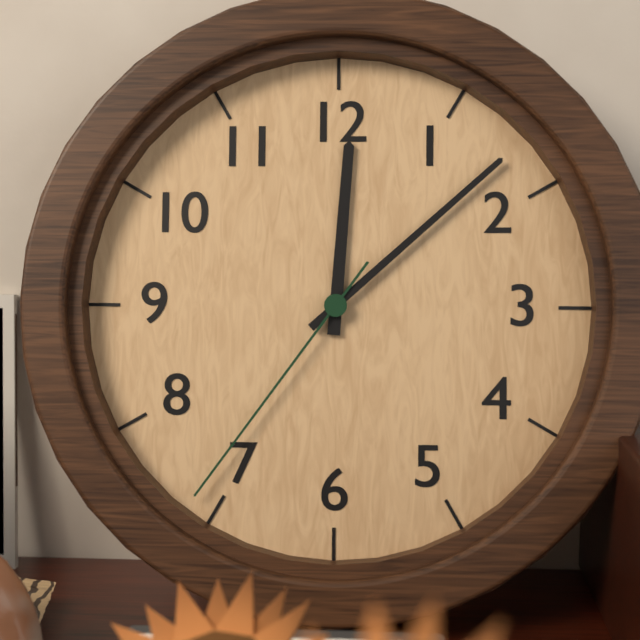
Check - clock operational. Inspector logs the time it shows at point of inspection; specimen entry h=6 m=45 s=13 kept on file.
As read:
h=12 m=8 s=36
